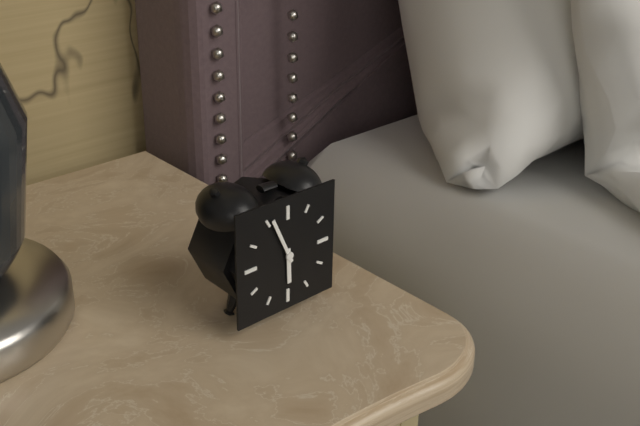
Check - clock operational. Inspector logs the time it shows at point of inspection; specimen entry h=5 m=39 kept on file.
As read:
h=5 m=56
